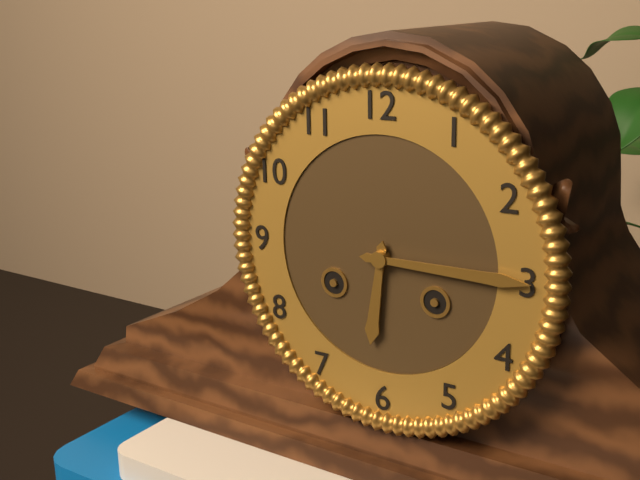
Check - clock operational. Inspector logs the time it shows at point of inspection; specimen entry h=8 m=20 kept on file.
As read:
h=6 m=15
